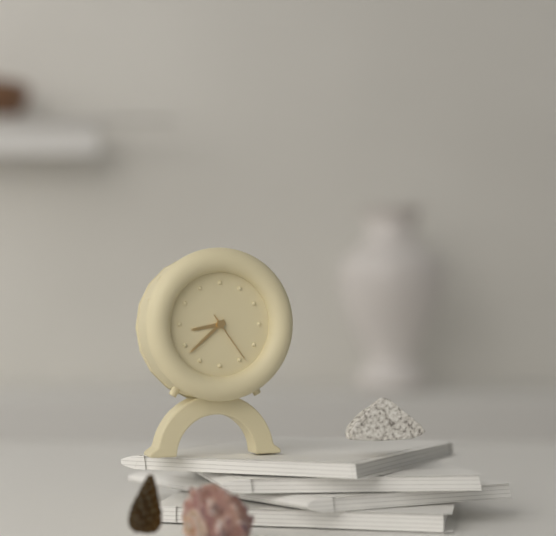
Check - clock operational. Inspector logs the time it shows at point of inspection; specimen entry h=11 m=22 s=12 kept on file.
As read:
h=8 m=38 s=24
